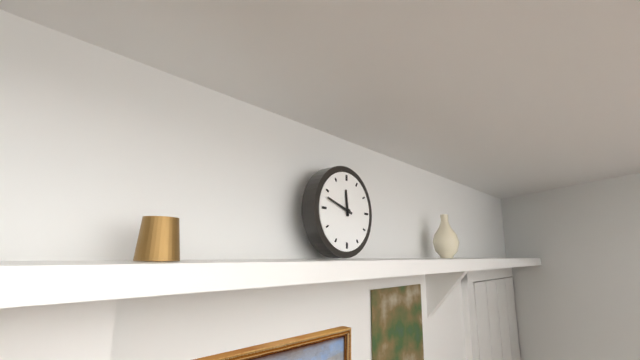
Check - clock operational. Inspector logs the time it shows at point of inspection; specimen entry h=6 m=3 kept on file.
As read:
h=11 m=48
